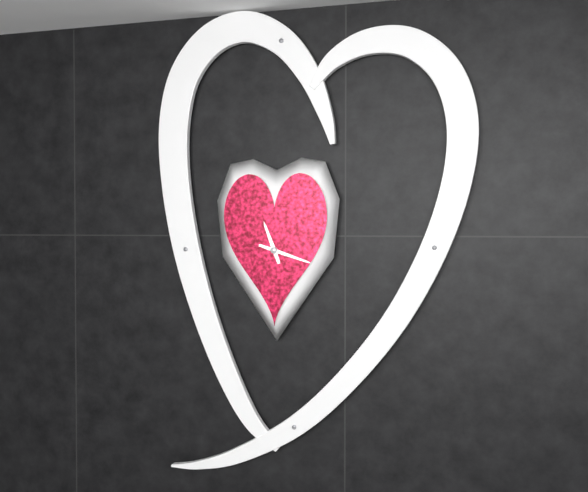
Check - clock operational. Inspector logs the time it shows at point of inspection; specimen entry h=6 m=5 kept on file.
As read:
h=11 m=18
